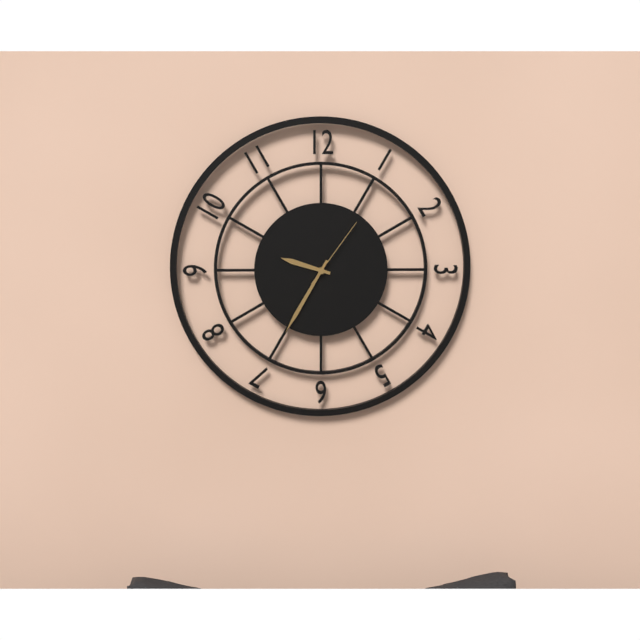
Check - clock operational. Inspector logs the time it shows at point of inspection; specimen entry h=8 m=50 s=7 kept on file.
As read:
h=9 m=35 s=6
